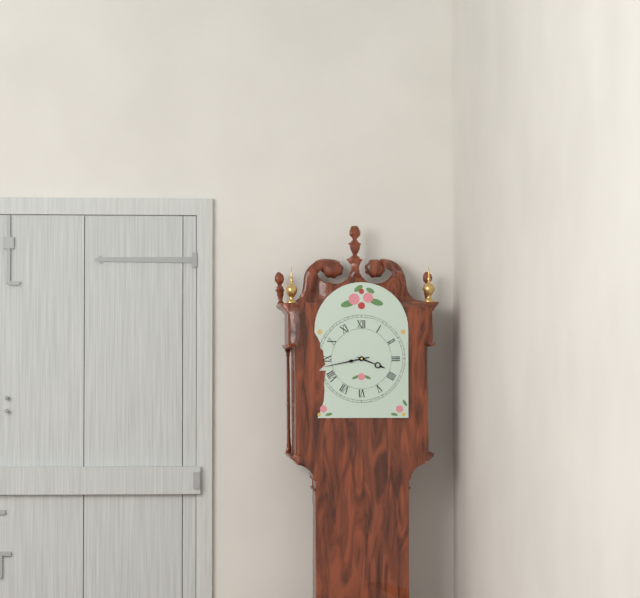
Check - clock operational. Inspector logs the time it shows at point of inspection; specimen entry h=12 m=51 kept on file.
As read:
h=3 m=43
